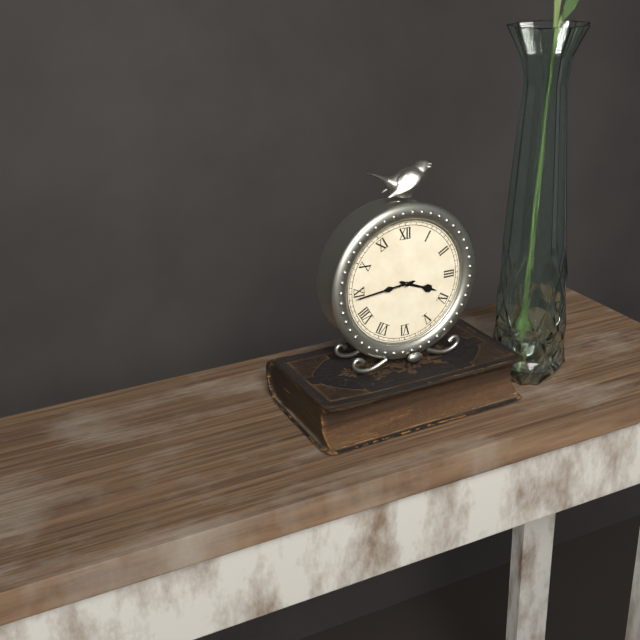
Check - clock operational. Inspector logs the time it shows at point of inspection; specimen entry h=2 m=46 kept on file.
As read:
h=3 m=44
